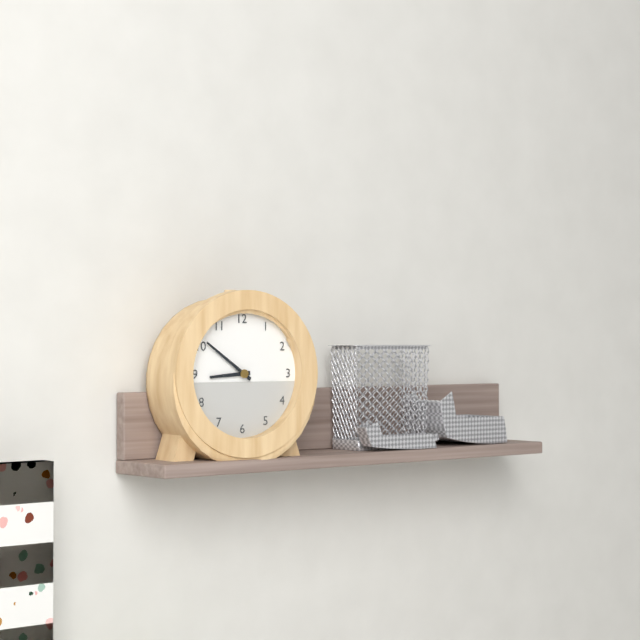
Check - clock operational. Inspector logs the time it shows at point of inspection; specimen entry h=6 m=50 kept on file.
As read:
h=8 m=51
